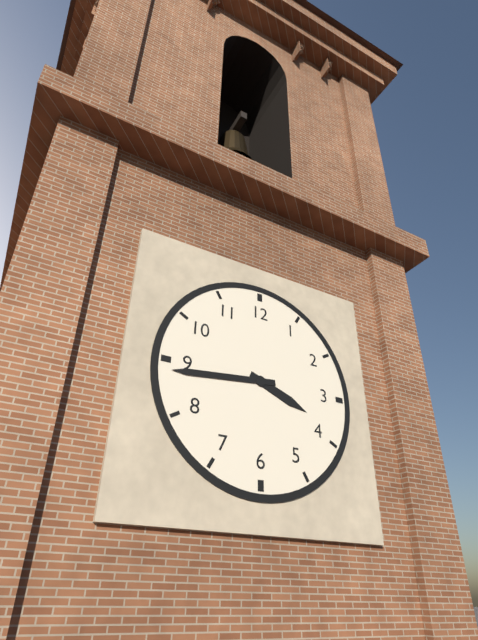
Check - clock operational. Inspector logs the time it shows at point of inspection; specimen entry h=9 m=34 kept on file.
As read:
h=3 m=44
